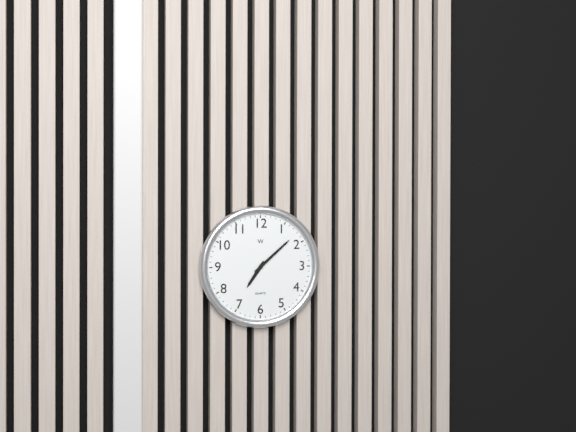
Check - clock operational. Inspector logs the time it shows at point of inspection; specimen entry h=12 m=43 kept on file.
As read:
h=7 m=8
